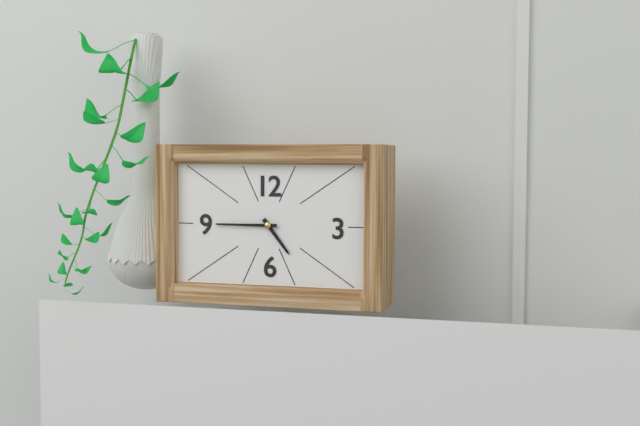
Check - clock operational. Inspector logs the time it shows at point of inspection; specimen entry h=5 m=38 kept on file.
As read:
h=4 m=45
